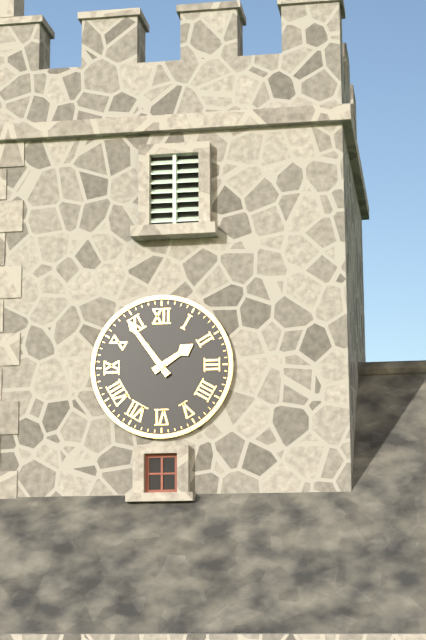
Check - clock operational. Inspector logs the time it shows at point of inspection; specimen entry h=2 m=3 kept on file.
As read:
h=1 m=54
